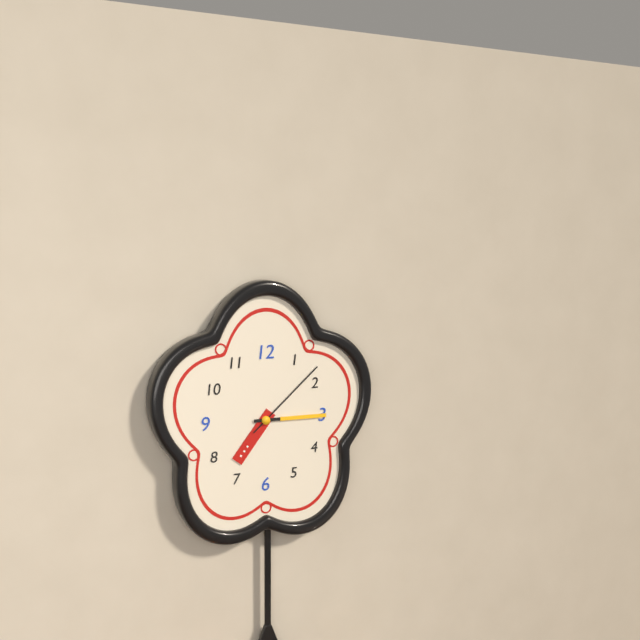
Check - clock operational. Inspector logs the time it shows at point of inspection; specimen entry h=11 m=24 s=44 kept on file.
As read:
h=7 m=15 s=8
